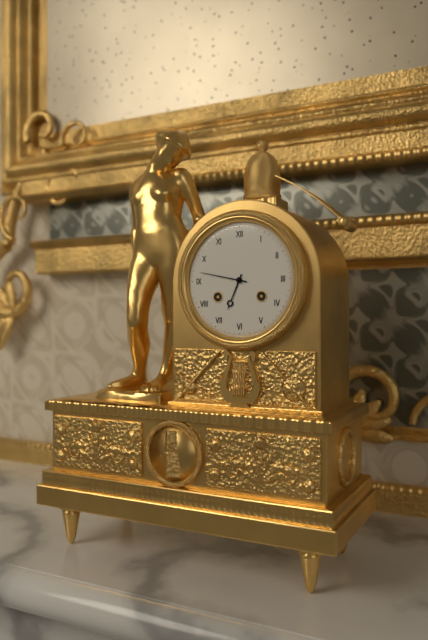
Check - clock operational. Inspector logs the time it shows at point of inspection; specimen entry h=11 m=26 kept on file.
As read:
h=6 m=47
